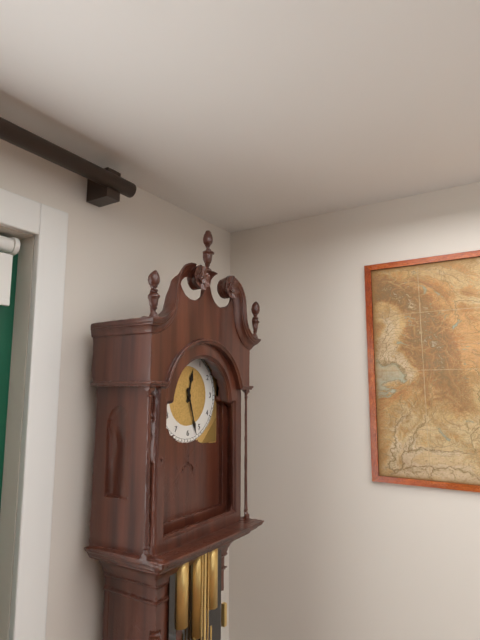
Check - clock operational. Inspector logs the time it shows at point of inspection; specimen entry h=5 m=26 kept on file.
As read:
h=12 m=27
